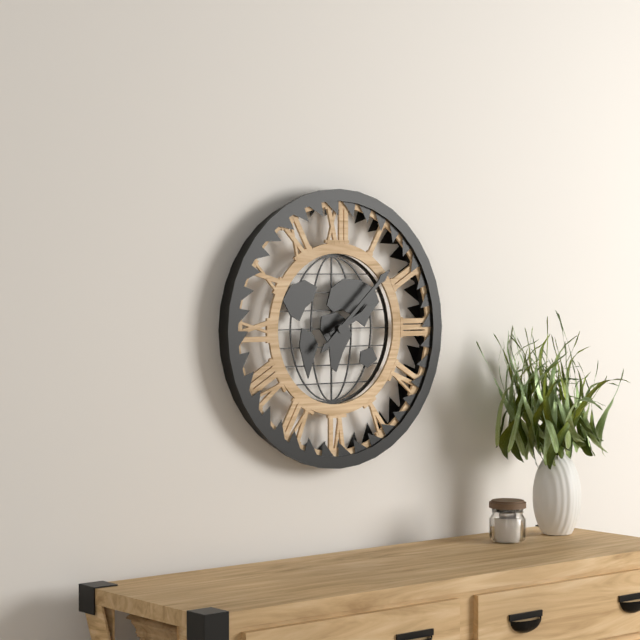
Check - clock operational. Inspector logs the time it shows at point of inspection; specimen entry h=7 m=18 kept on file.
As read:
h=2 m=8
